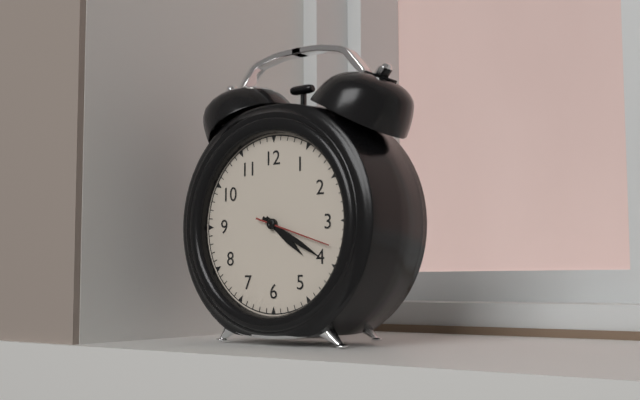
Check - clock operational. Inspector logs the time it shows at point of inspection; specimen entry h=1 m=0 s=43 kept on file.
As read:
h=4 m=20 s=18
